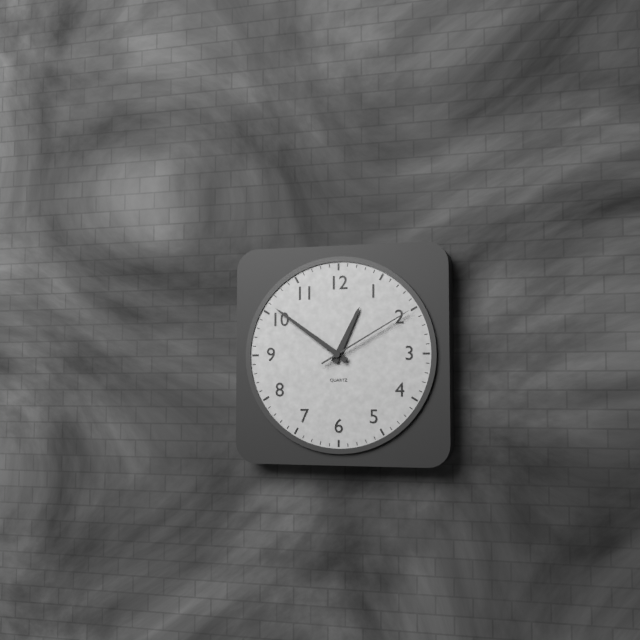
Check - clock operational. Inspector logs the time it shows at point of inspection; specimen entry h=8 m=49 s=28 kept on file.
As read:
h=12 m=51 s=10
